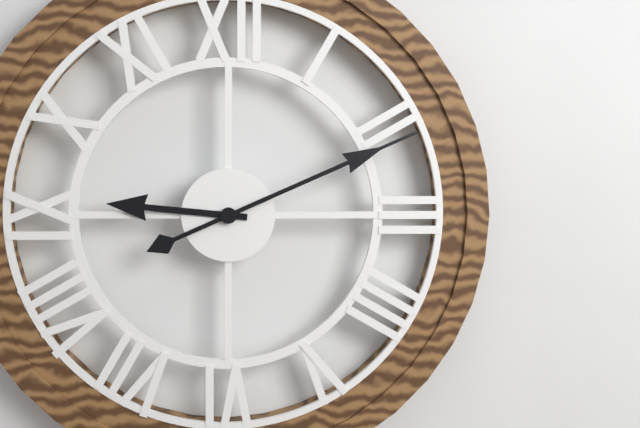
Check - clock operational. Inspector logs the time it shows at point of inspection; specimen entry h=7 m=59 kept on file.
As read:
h=9 m=11
